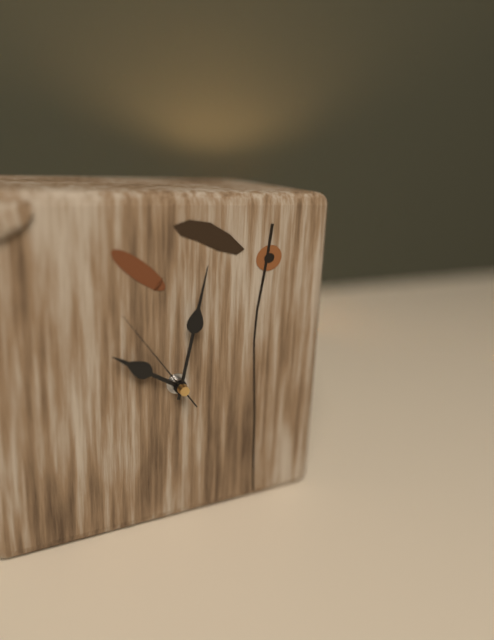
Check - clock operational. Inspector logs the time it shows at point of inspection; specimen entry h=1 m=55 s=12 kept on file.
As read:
h=10 m=2 s=54
